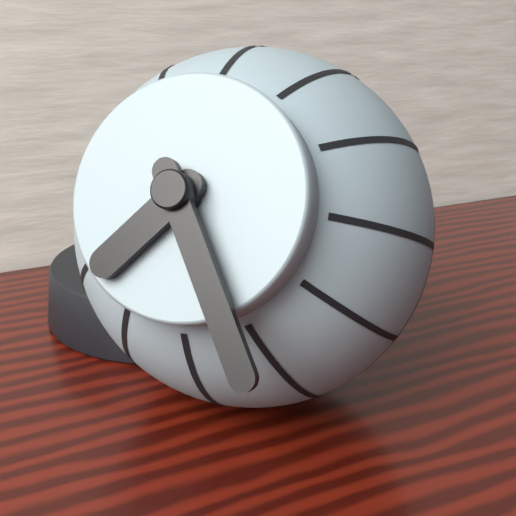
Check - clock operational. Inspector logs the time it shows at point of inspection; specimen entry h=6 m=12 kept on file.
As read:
h=7 m=25
